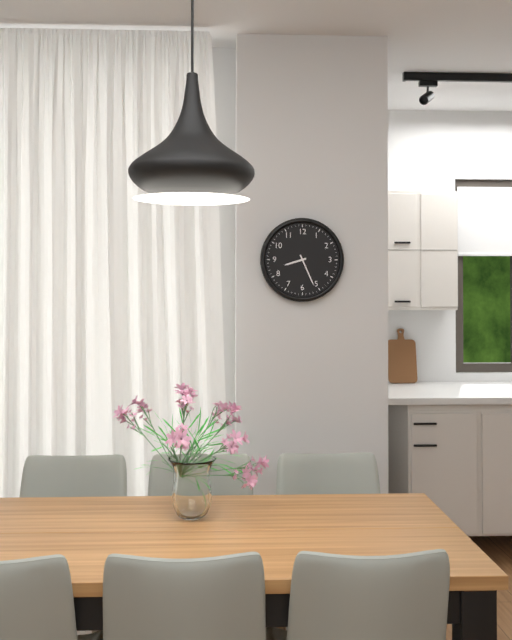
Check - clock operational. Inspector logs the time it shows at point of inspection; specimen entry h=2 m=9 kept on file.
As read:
h=8 m=26
